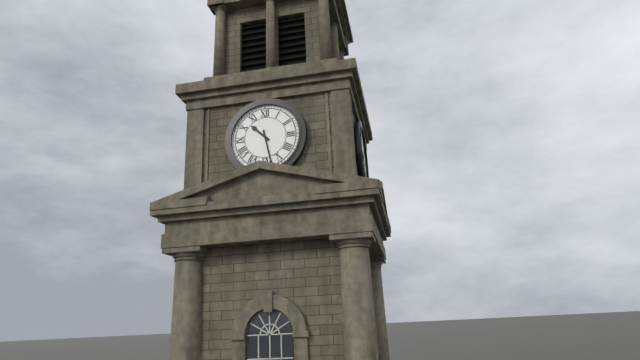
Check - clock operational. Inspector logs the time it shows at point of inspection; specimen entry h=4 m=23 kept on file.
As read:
h=10 m=28
